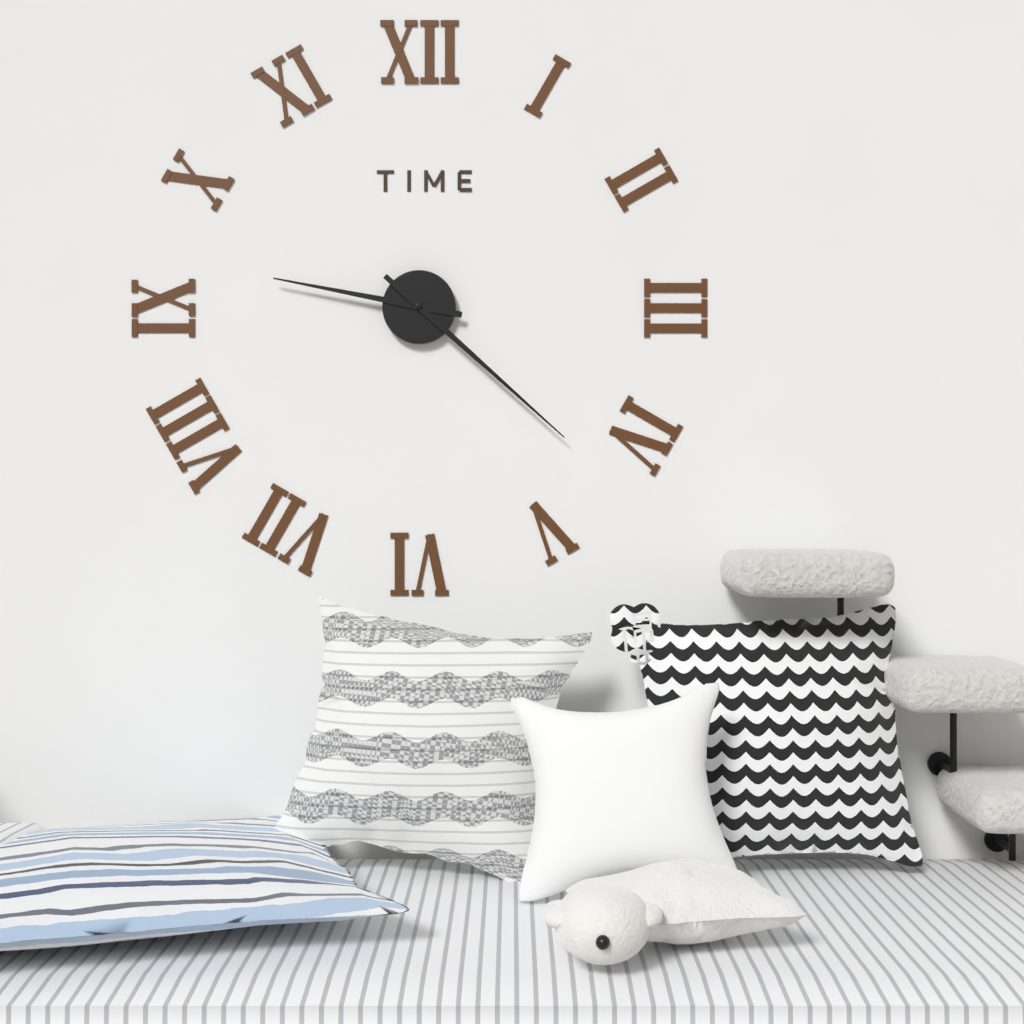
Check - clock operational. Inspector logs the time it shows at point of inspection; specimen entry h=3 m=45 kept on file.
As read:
h=9 m=22
